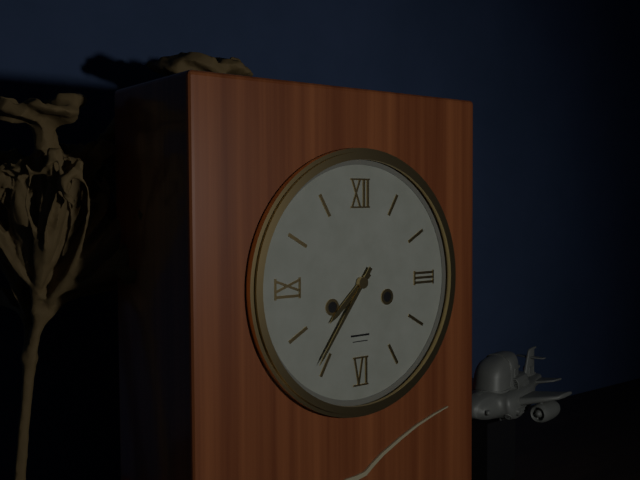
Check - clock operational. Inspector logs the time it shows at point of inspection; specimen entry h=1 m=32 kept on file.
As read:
h=7 m=36
